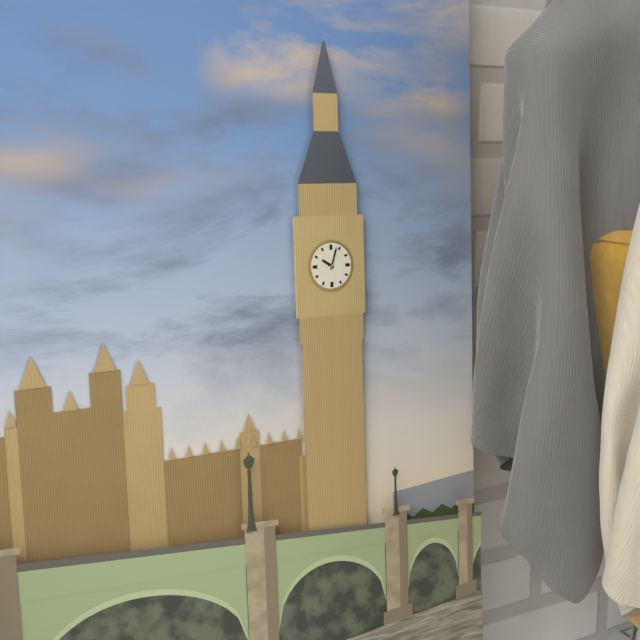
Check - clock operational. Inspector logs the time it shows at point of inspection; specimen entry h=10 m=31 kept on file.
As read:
h=10 m=3
